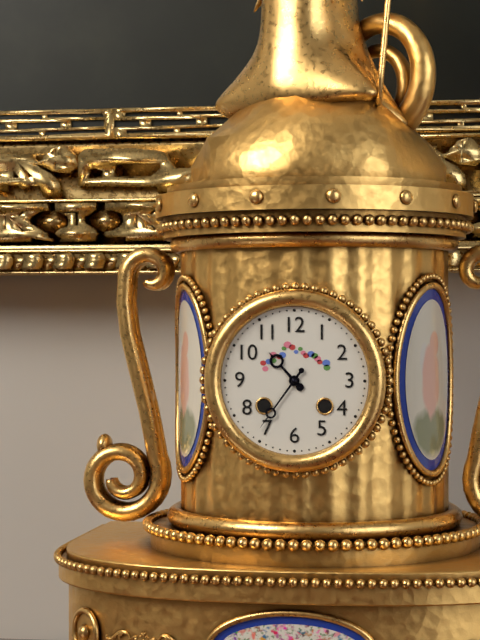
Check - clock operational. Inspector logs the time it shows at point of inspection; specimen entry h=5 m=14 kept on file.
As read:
h=10 m=36
